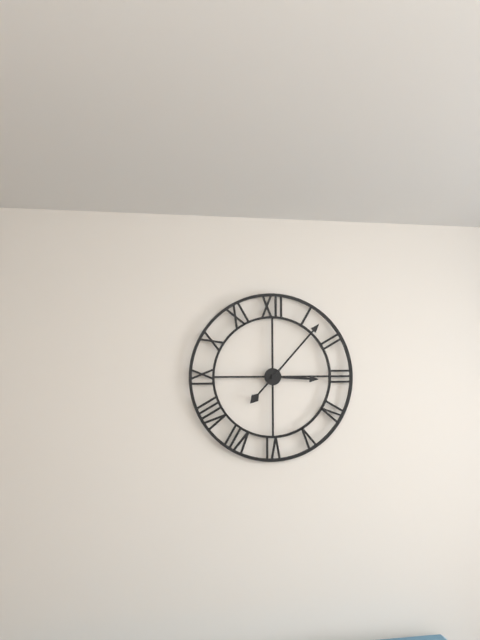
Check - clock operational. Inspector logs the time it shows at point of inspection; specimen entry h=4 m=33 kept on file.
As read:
h=3 m=7
